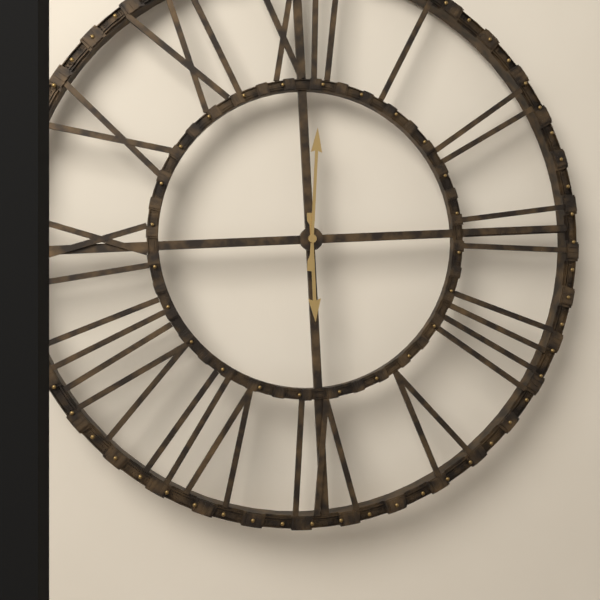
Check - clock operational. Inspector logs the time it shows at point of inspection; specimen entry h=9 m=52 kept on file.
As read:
h=6 m=1
